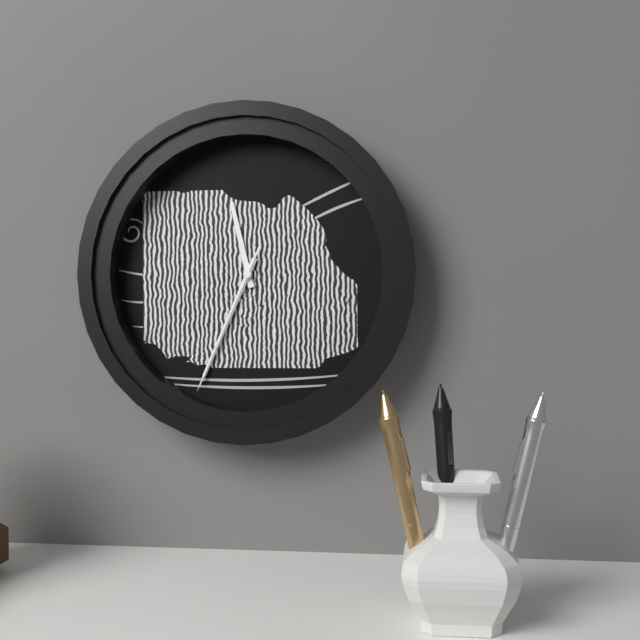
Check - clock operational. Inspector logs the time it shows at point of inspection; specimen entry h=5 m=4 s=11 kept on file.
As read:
h=11 m=34 s=34
